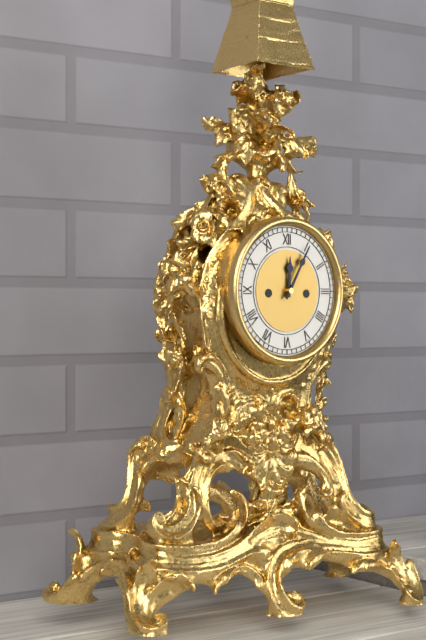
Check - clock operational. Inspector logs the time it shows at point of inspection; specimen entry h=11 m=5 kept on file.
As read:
h=12 m=5
